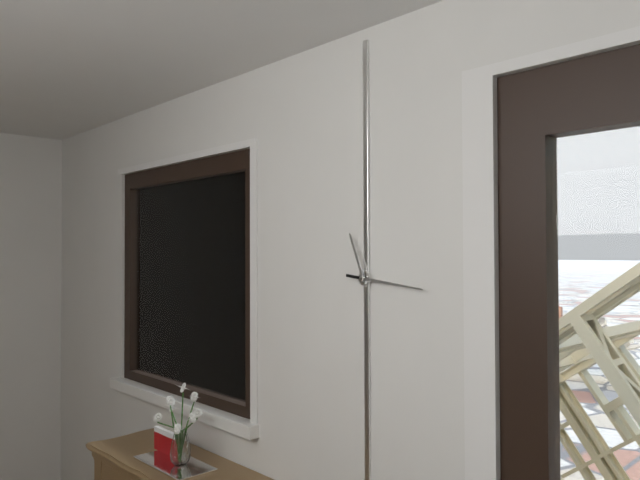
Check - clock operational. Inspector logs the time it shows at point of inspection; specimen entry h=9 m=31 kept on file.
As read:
h=11 m=16
